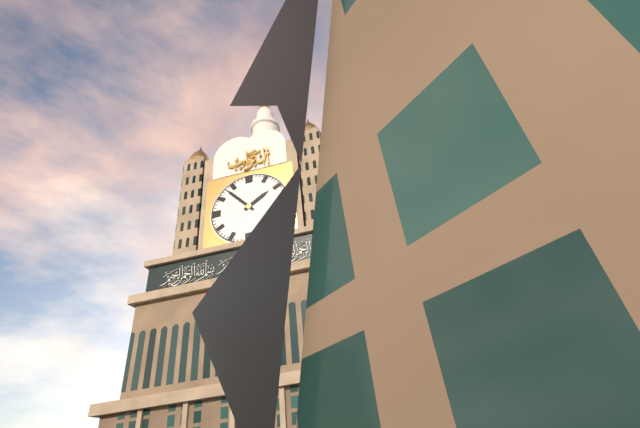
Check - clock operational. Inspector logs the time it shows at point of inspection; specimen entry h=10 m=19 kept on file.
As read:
h=1 m=53
